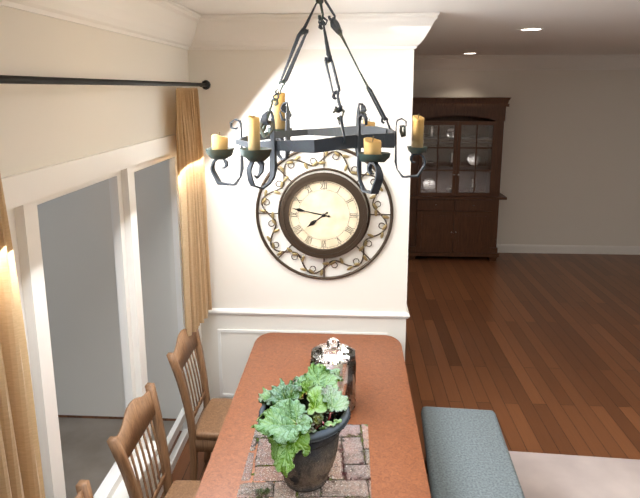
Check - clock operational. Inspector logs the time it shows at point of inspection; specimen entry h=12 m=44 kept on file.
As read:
h=7 m=47
